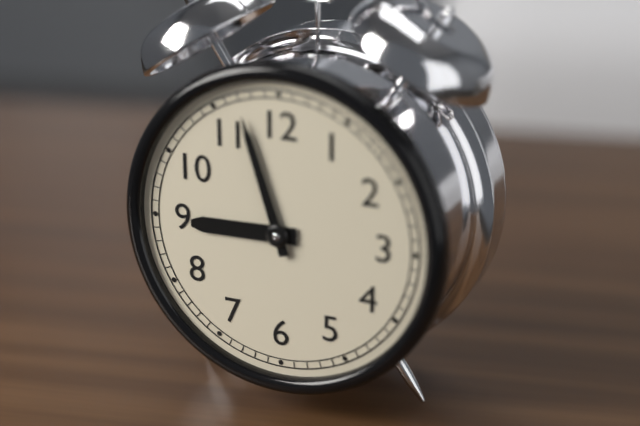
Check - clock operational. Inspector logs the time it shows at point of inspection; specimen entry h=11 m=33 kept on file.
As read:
h=8 m=57
